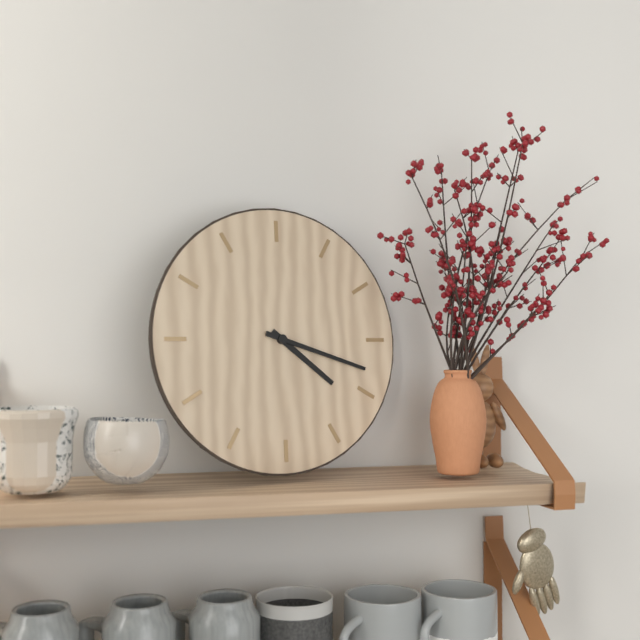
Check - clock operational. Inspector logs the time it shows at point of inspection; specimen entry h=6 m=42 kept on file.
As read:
h=4 m=18
